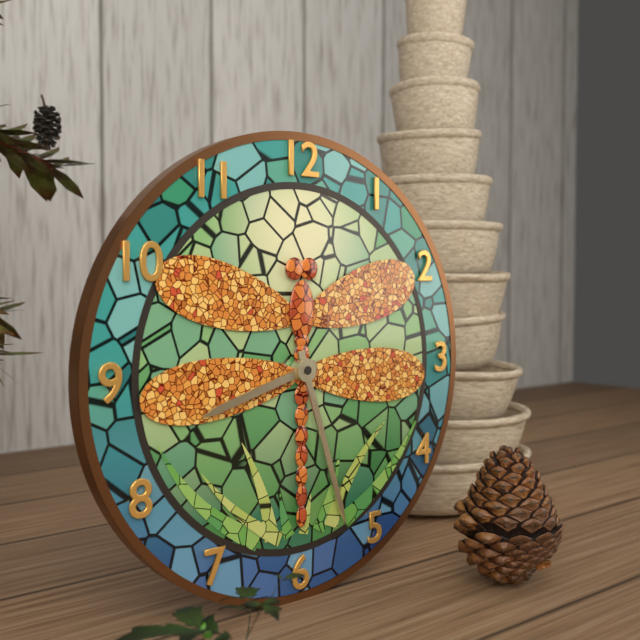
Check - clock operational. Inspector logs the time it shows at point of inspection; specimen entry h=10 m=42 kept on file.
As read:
h=8 m=27
